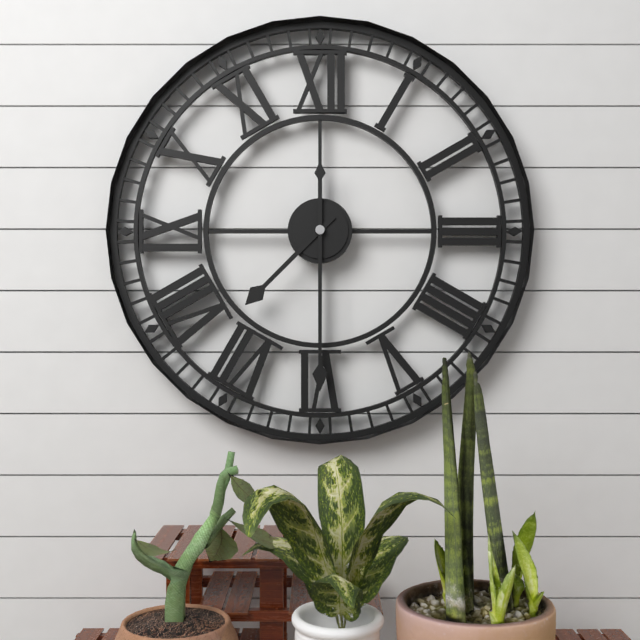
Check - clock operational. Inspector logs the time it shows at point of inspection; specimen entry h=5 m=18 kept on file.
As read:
h=7 m=30
